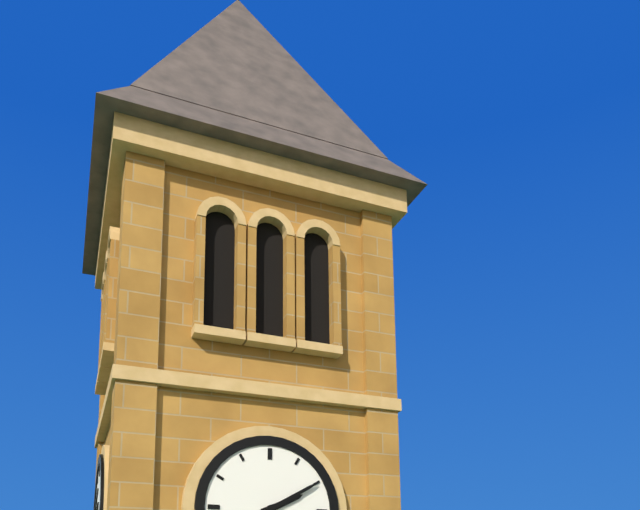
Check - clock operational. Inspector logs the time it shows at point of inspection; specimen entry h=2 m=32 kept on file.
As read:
h=2 m=10
